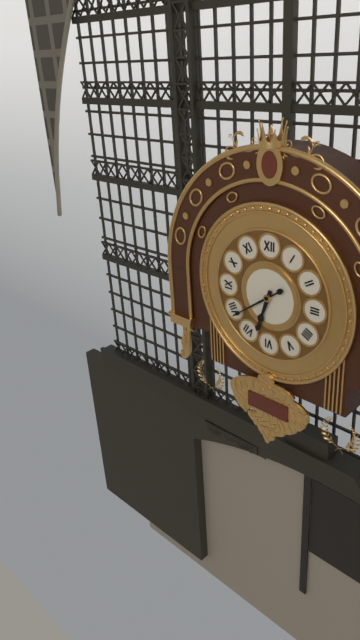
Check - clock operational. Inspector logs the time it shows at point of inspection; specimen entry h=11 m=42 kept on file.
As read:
h=6 m=39
